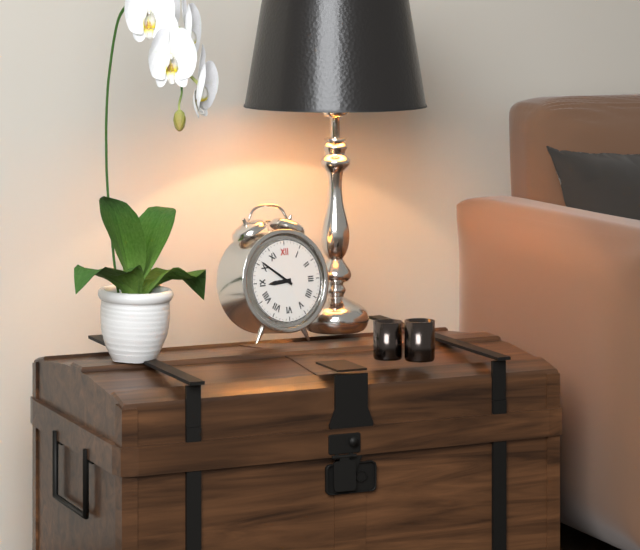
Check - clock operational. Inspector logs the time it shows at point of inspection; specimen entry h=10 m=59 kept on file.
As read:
h=8 m=51
